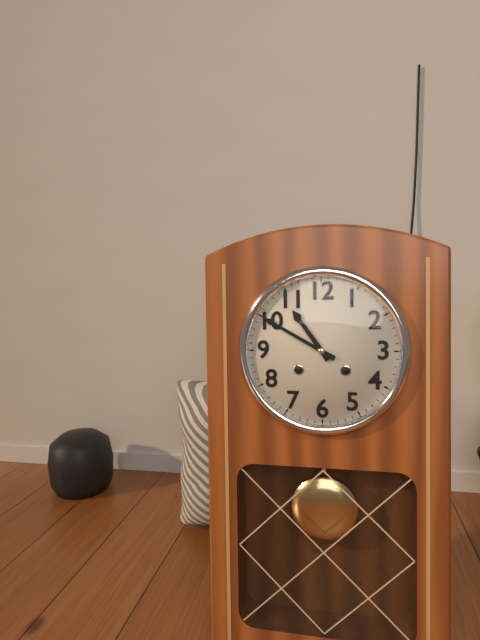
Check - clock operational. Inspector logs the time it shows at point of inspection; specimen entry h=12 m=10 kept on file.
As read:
h=10 m=50
